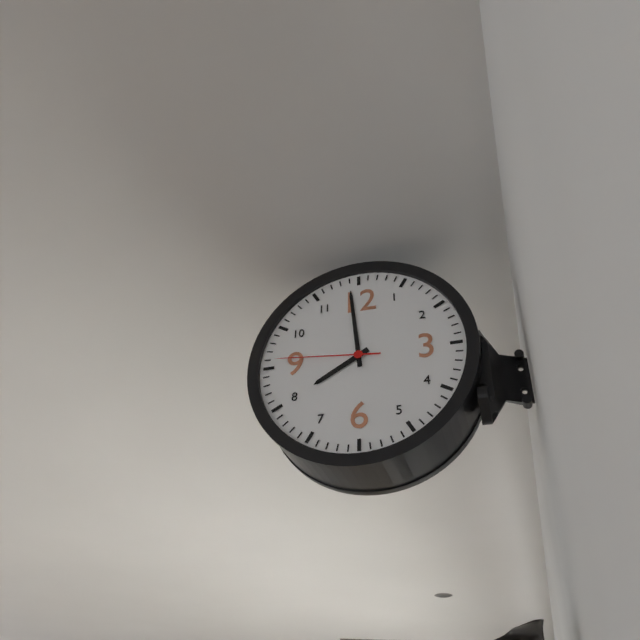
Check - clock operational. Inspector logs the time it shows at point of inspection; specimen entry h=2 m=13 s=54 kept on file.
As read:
h=7 m=59 s=46
